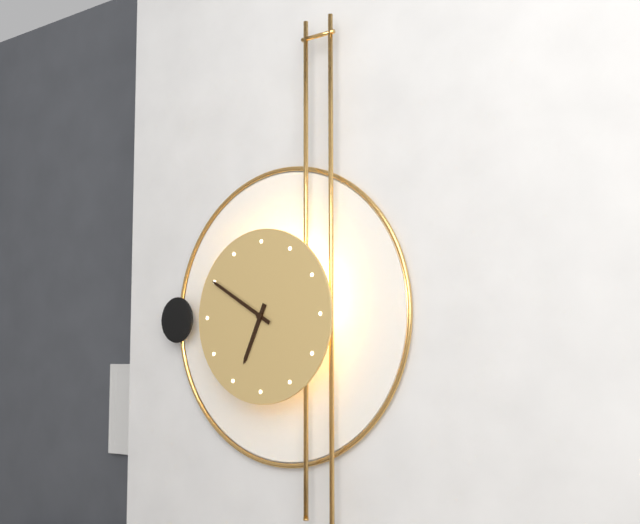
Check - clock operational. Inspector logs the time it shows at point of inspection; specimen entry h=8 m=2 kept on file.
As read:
h=6 m=50
